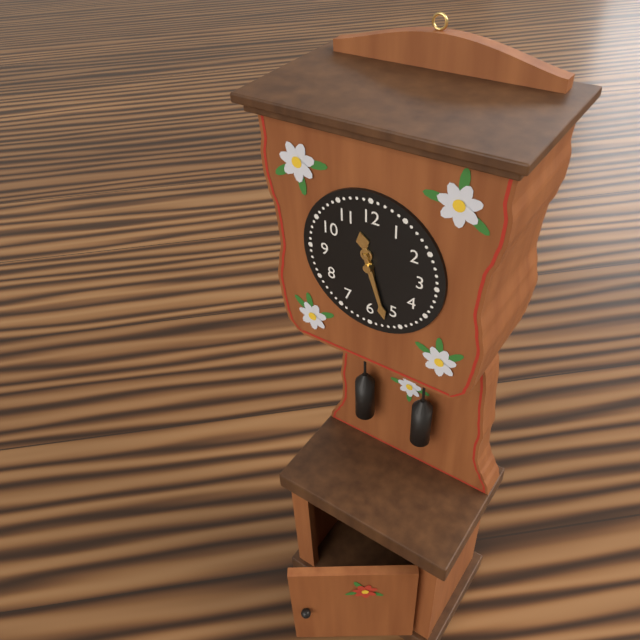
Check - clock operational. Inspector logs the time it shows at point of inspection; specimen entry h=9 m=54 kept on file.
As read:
h=11 m=27
